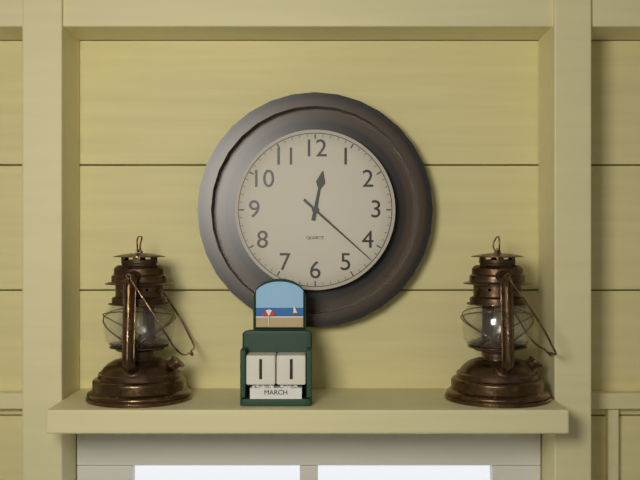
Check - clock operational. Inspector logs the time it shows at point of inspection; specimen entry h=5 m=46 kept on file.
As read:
h=12 m=22
